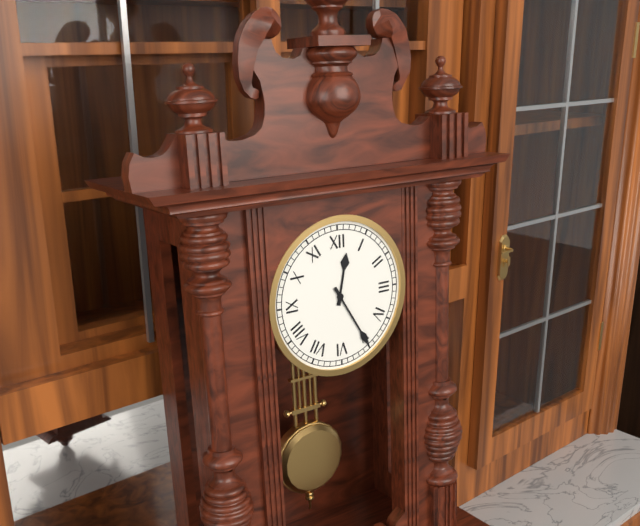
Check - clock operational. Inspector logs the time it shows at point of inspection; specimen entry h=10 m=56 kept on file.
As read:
h=12 m=25
